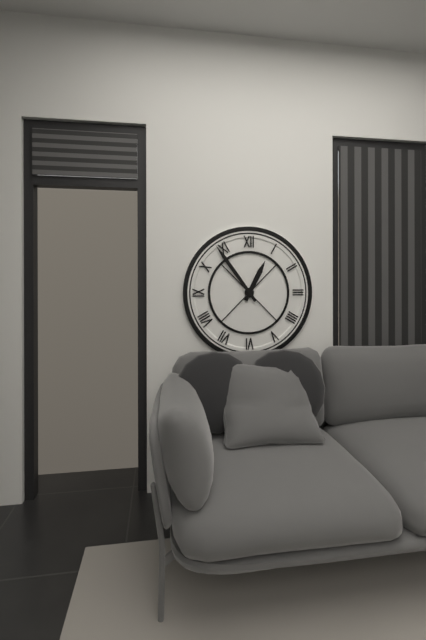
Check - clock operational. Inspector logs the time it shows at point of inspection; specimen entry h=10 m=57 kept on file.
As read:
h=12 m=54
